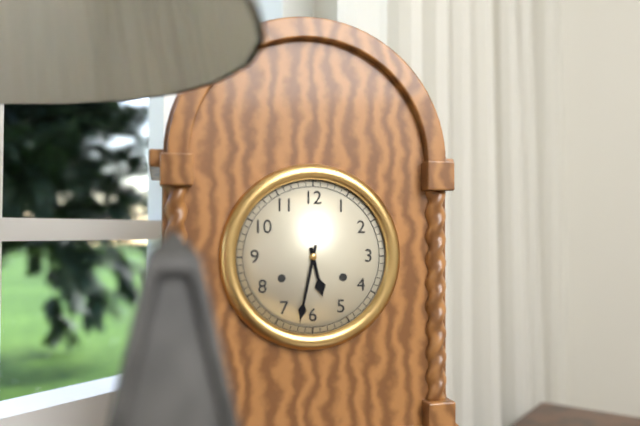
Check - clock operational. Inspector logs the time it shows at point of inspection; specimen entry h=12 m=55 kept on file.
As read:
h=5 m=32
